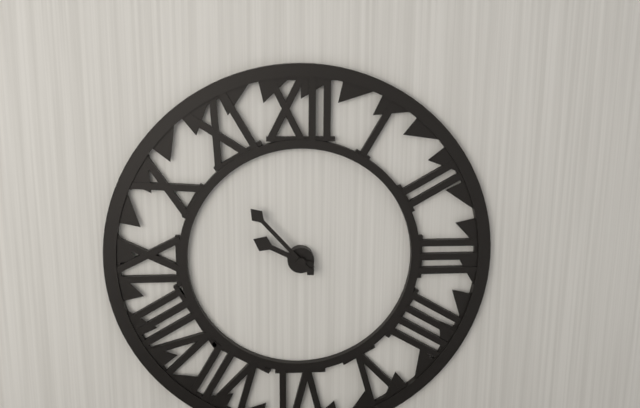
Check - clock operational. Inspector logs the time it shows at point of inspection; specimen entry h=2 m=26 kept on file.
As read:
h=9 m=53
